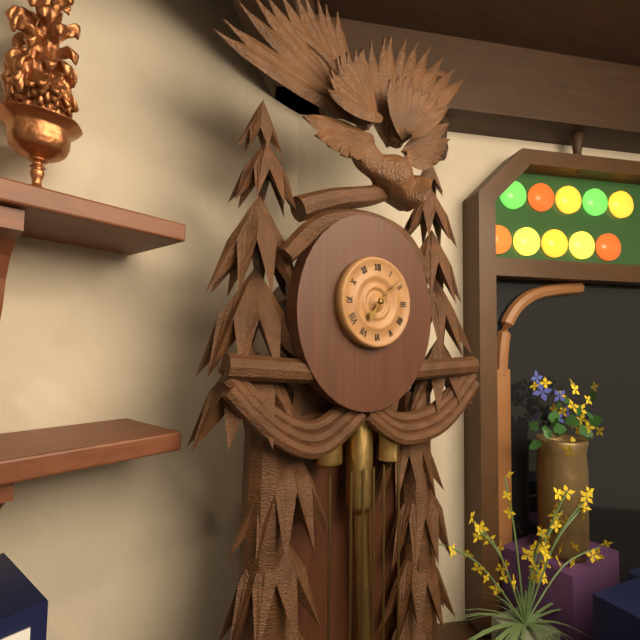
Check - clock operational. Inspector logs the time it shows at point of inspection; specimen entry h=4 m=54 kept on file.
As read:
h=7 m=8
